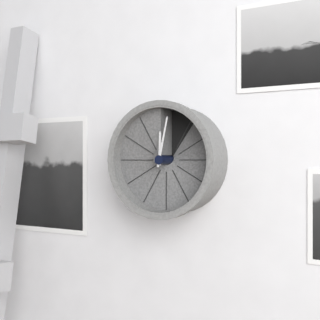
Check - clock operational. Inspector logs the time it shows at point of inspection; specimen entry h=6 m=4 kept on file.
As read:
h=12 m=2
